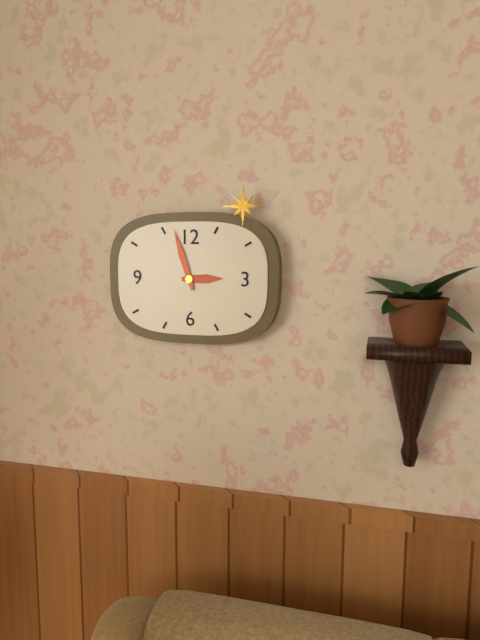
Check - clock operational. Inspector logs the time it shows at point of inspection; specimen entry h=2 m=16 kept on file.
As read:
h=2 m=57
